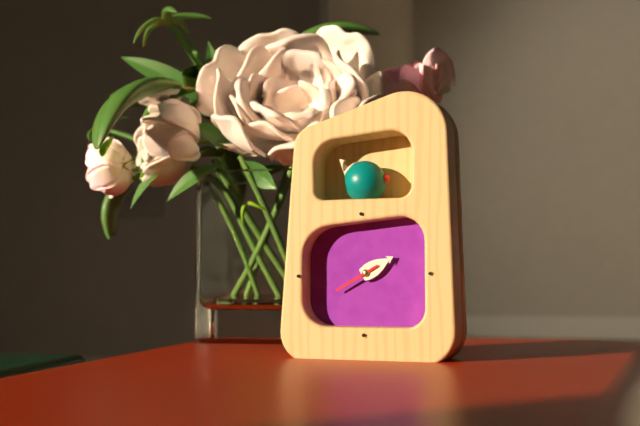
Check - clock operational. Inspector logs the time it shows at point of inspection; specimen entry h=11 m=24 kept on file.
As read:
h=2 m=10
